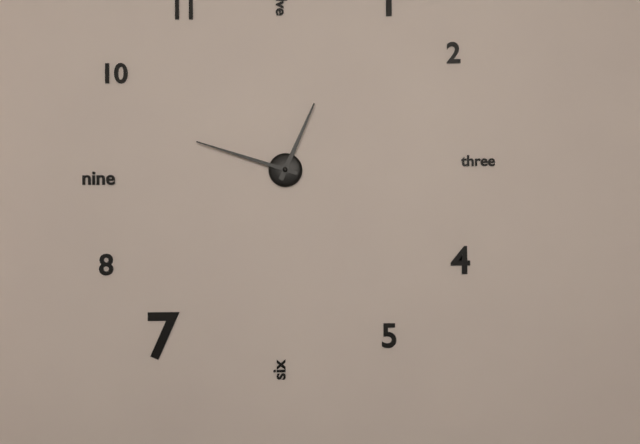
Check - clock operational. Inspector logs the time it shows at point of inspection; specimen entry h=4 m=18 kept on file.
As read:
h=12 m=48
